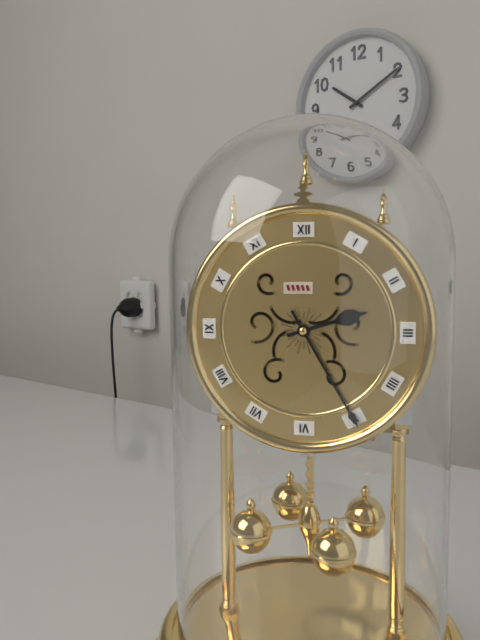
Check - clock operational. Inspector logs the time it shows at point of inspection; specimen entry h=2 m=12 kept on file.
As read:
h=2 m=25
